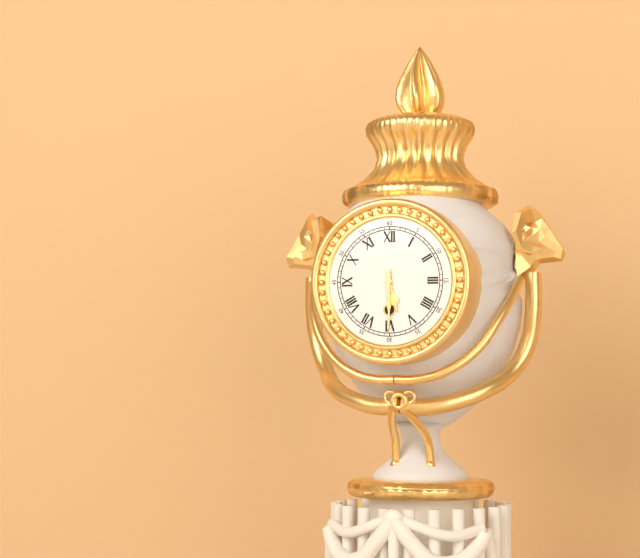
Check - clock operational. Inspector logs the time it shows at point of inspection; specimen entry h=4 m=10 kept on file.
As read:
h=5 m=30
